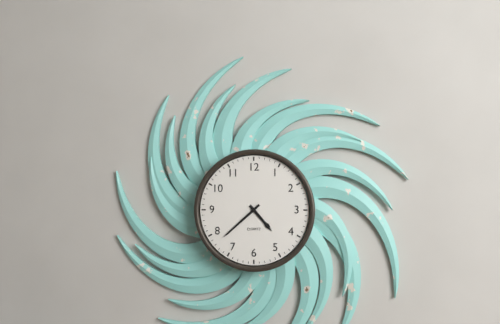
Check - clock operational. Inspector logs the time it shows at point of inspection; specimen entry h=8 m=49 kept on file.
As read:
h=4 m=38
